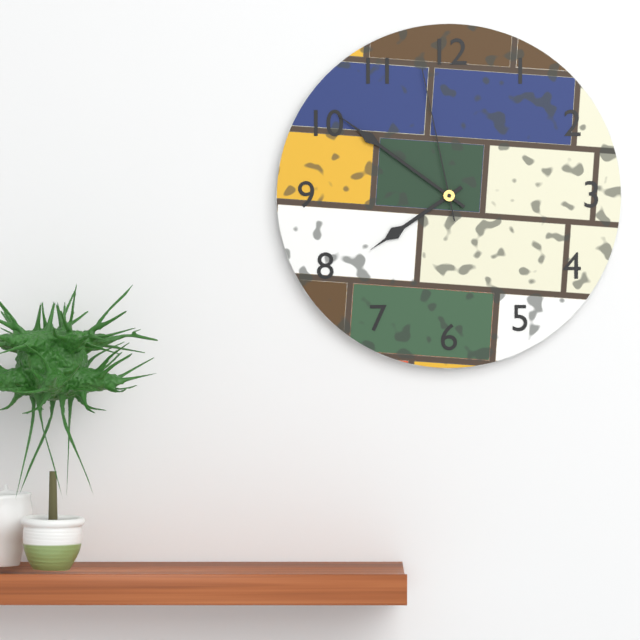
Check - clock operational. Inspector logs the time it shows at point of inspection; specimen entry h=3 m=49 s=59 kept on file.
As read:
h=7 m=51 s=58
